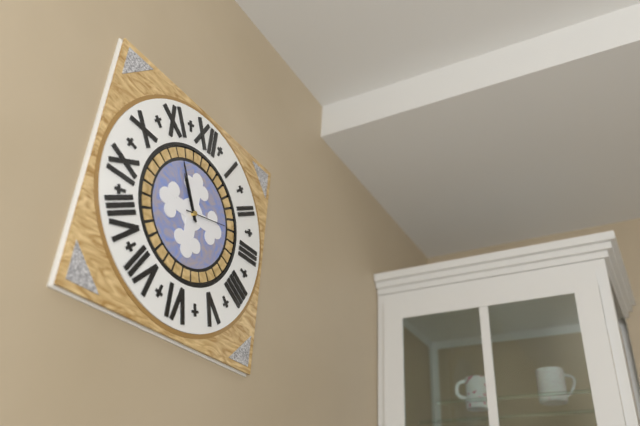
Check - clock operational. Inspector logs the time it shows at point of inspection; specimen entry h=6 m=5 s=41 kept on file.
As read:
h=10 m=55 s=13
